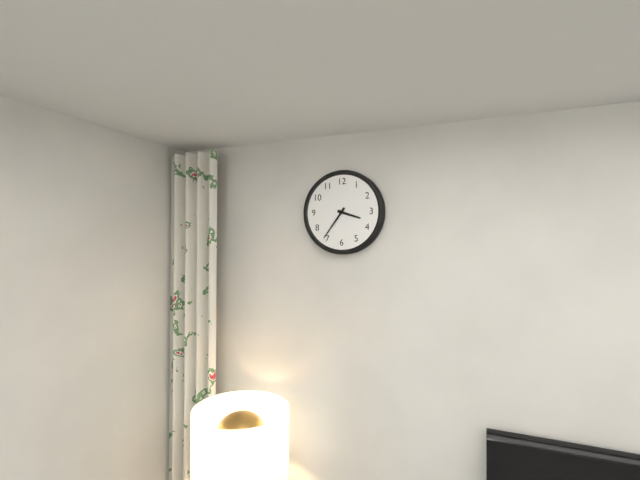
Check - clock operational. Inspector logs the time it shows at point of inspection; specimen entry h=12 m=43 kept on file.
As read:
h=3 m=36
